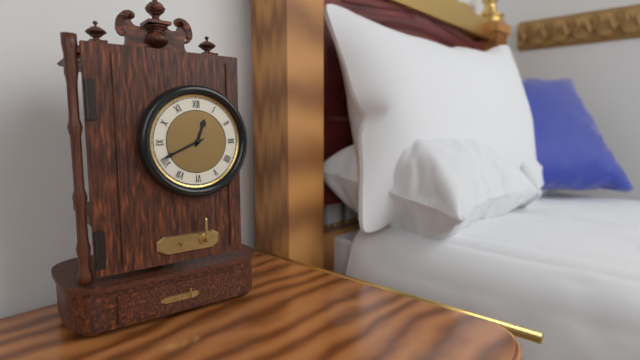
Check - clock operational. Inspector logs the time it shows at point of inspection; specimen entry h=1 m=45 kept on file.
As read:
h=12 m=41
